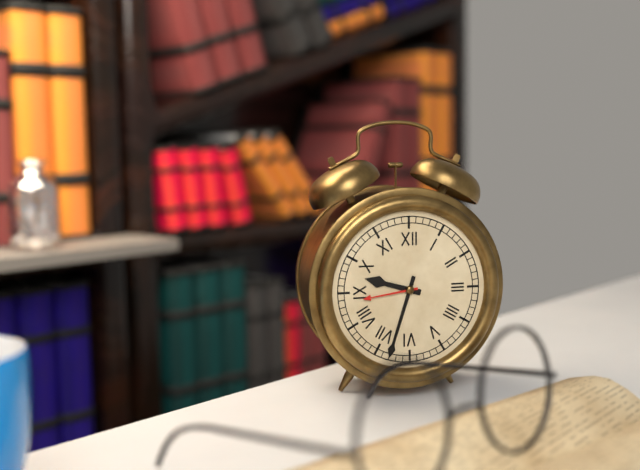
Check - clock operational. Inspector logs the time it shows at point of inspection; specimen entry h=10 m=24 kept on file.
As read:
h=9 m=33
